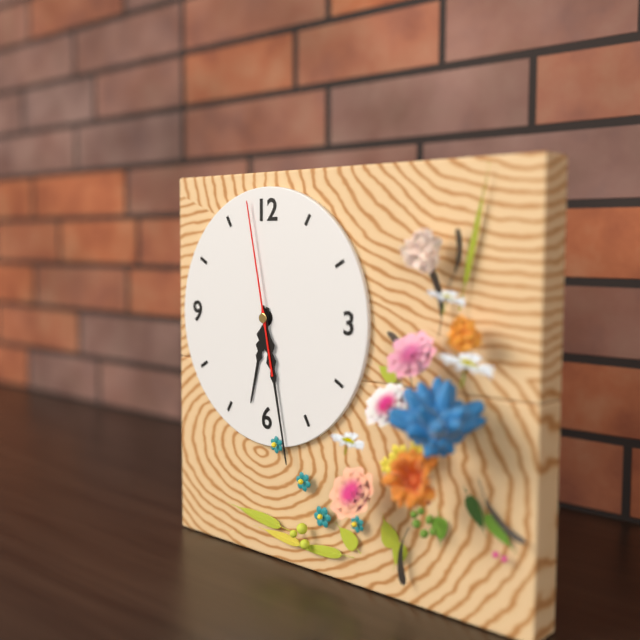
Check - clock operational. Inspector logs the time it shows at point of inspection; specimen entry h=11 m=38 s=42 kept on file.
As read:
h=6 m=28 s=58
